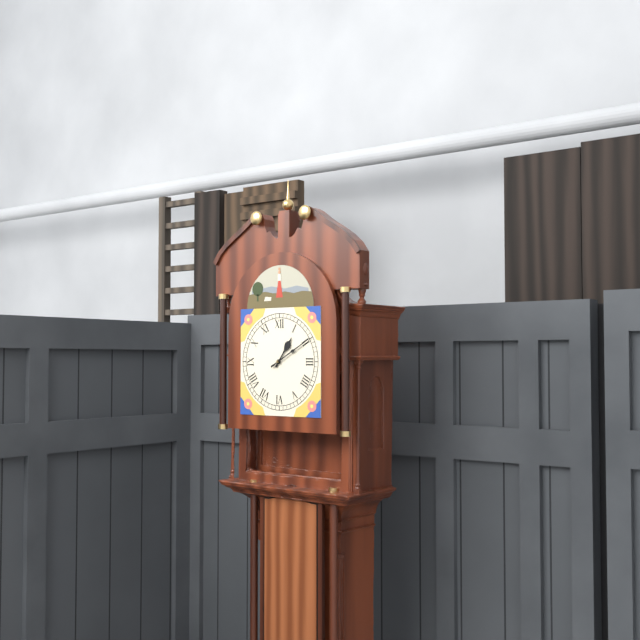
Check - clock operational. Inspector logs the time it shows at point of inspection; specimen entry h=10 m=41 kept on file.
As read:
h=1 m=10
